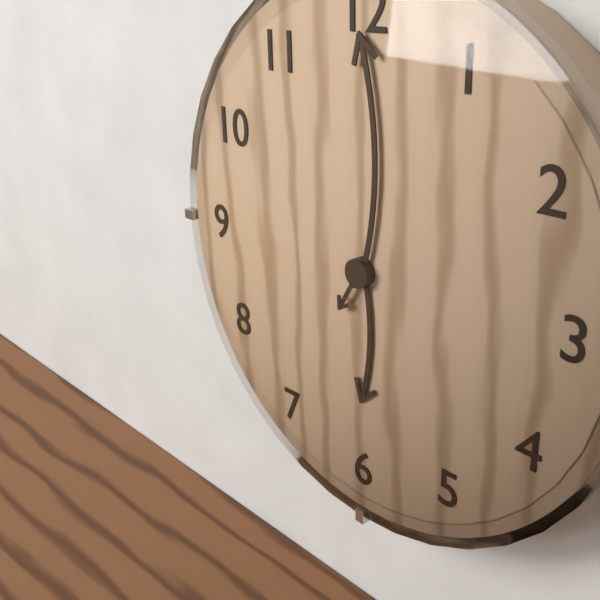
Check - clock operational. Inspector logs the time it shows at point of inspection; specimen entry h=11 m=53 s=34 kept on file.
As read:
h=6 m=0 s=35
